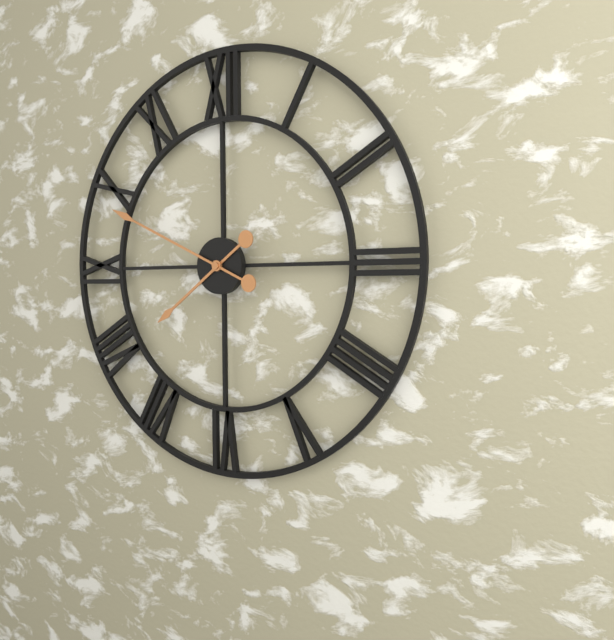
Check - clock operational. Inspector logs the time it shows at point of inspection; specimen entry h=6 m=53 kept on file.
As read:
h=7 m=49
